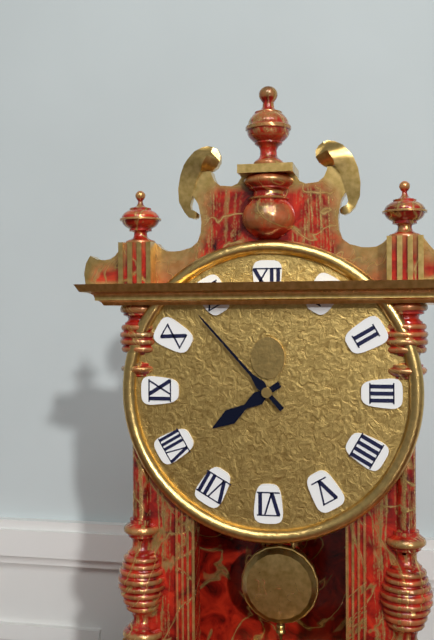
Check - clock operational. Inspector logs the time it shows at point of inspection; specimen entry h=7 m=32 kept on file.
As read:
h=7 m=53
